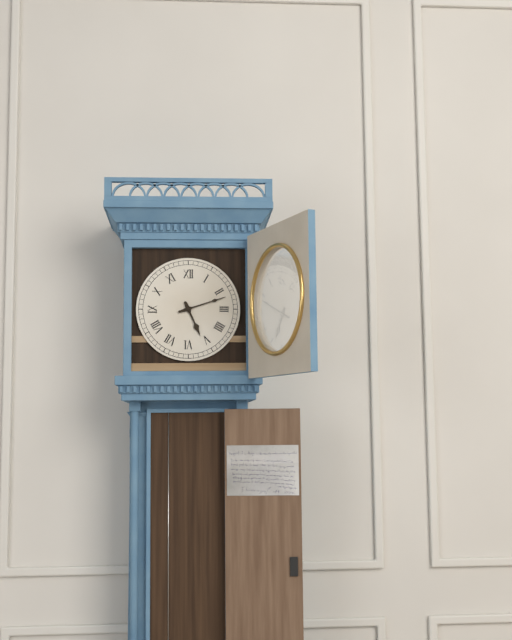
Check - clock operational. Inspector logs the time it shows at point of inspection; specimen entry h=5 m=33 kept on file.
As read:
h=5 m=12
